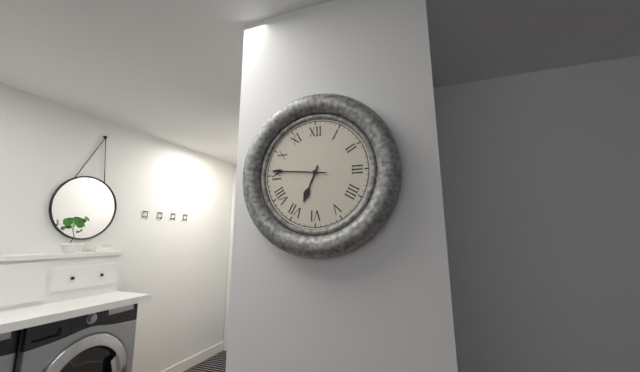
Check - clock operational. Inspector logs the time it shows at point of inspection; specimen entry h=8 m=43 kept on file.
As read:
h=6 m=46
